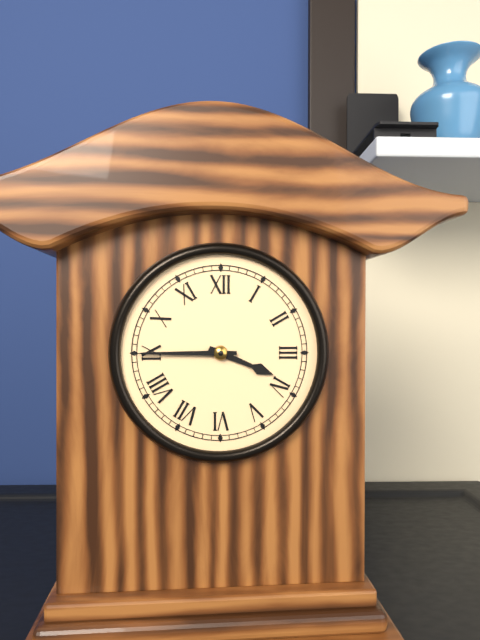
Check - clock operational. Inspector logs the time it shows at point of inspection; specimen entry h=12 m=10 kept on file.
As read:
h=3 m=45
